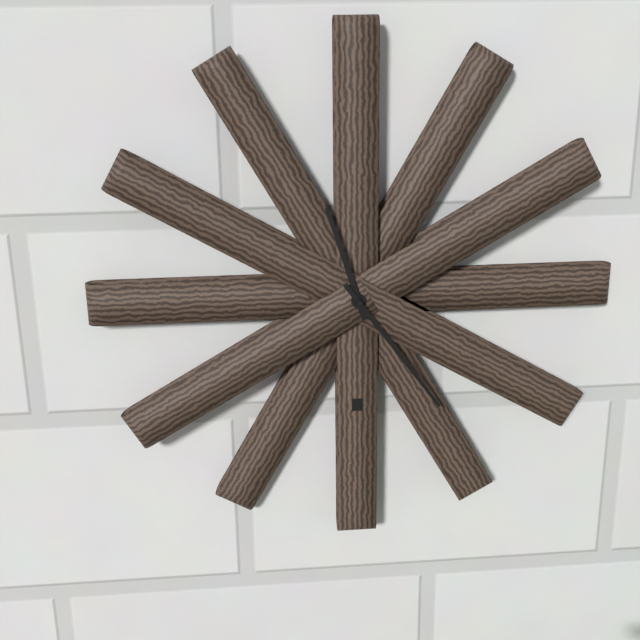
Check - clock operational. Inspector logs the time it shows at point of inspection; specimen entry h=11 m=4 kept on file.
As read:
h=11 m=24
